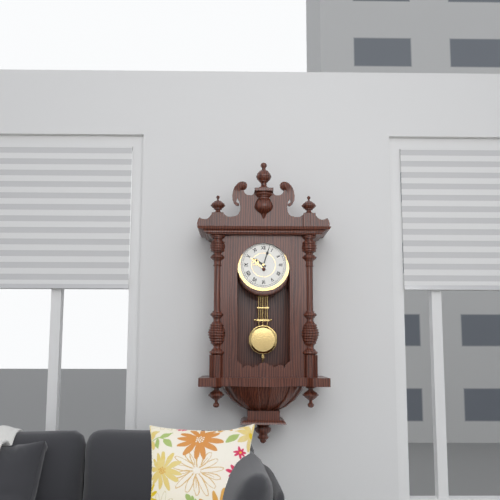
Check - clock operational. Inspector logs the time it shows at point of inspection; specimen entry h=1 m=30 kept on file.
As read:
h=10 m=3
